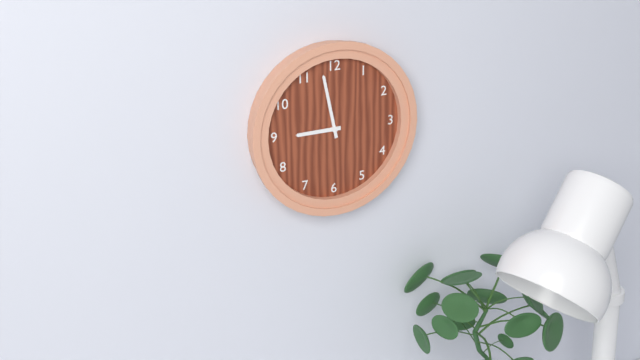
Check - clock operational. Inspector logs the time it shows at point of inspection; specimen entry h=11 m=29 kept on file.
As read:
h=8 m=58
